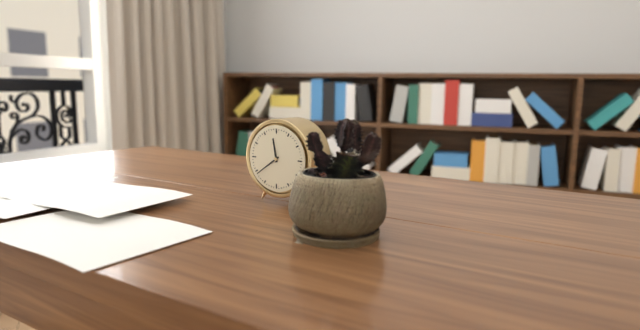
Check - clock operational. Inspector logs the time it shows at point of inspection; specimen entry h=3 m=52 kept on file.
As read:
h=11 m=39
